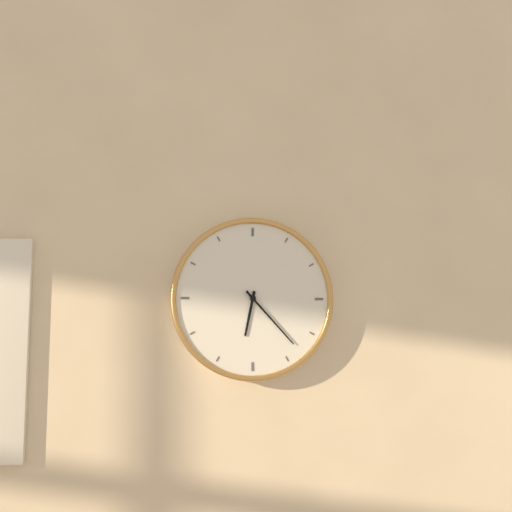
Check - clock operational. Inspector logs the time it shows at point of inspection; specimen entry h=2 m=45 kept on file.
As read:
h=6 m=23
